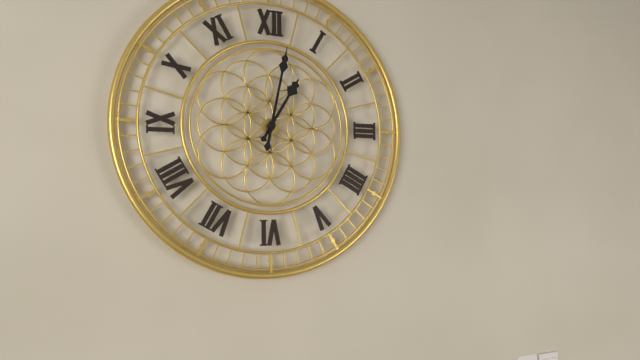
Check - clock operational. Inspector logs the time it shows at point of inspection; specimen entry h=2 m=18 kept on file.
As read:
h=1 m=2
